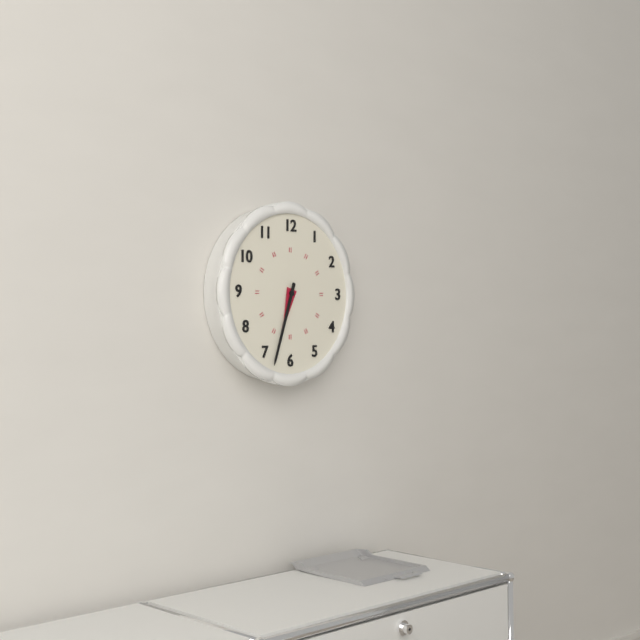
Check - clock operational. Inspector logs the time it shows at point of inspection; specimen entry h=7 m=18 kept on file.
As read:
h=6 m=33
